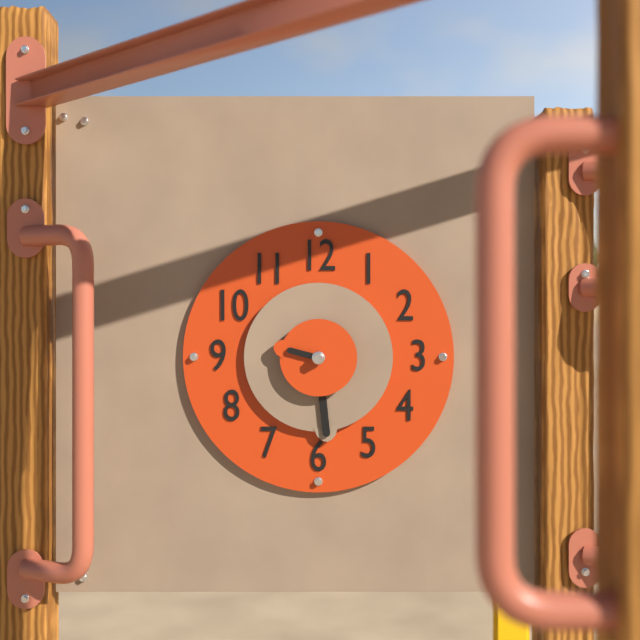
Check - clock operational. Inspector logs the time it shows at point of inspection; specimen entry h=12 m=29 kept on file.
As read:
h=9 m=29
